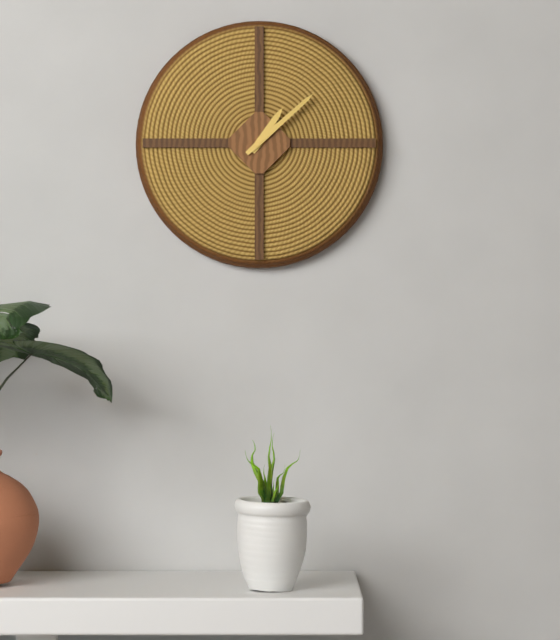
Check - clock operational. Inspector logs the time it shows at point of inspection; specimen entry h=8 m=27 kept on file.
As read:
h=1 m=8
